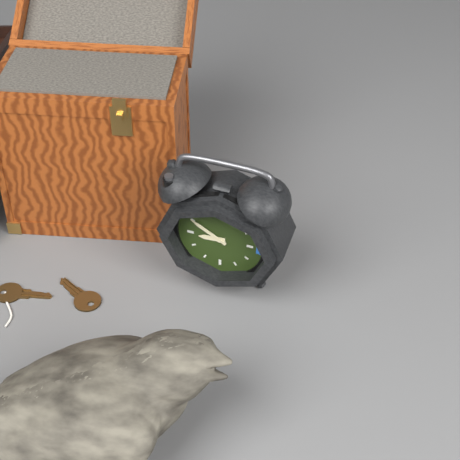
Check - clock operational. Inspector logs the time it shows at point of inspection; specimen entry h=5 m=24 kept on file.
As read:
h=8 m=50
